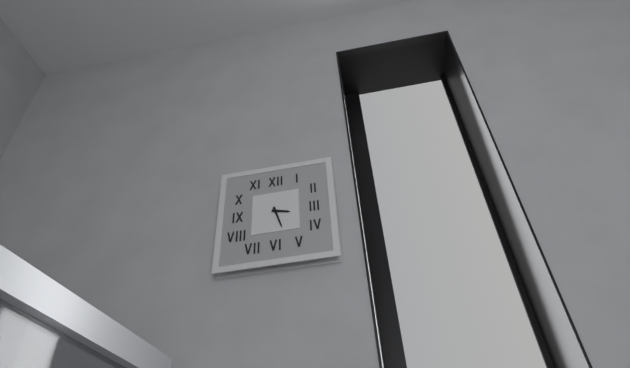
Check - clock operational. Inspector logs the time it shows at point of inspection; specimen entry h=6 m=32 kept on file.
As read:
h=3 m=27
